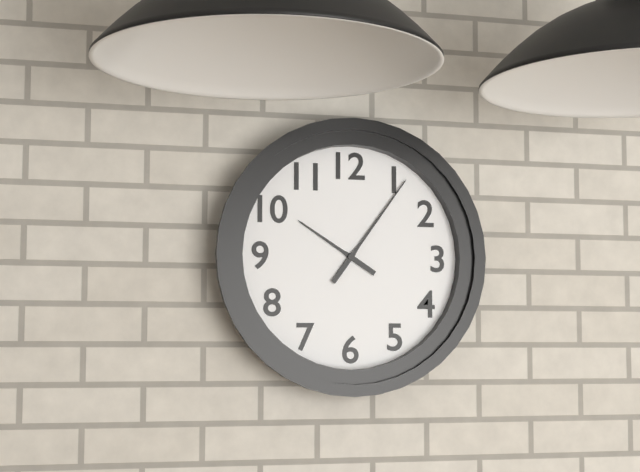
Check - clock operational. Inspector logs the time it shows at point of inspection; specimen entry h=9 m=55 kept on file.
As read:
h=10 m=6
